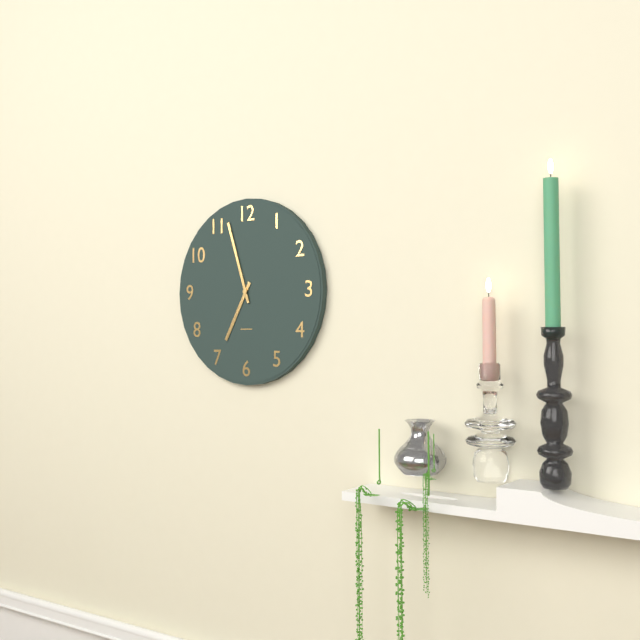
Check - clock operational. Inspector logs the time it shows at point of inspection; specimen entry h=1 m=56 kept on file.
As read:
h=6 m=57
